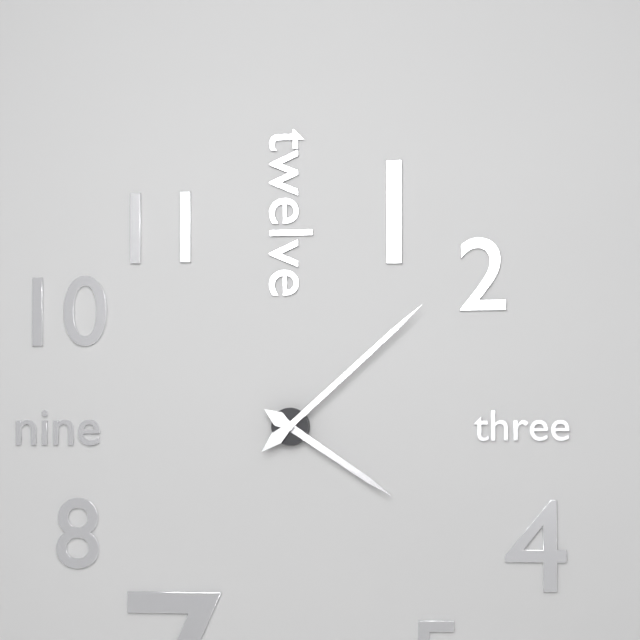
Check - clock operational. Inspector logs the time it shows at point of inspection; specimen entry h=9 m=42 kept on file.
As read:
h=4 m=8
